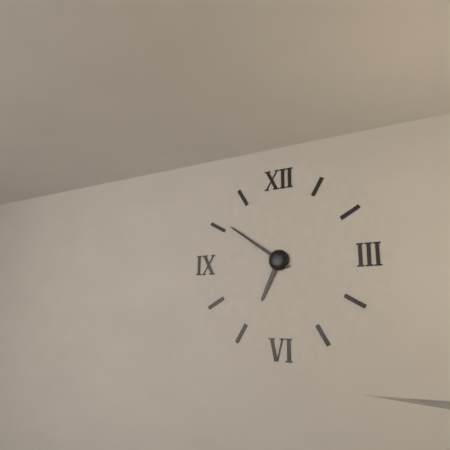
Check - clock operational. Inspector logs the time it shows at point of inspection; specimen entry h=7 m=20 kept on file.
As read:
h=6 m=51
